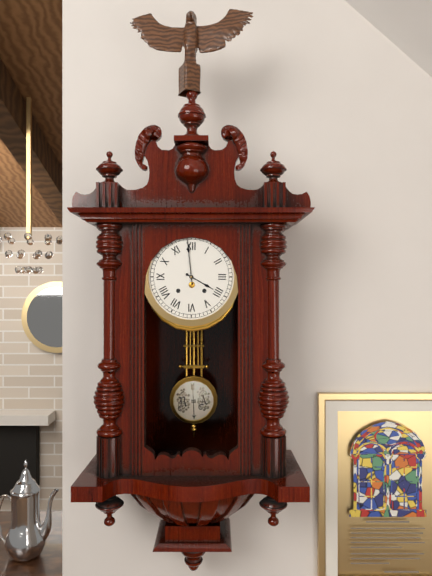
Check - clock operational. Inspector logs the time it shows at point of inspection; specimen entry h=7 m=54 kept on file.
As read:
h=3 m=59
